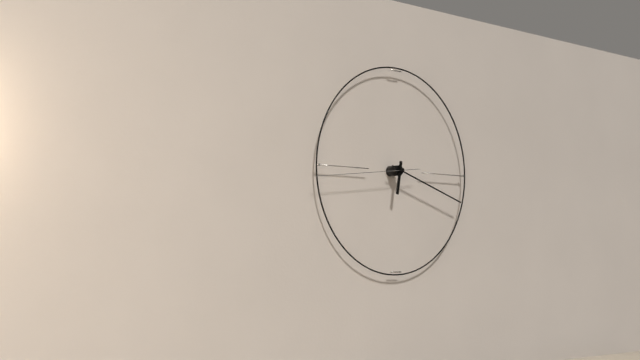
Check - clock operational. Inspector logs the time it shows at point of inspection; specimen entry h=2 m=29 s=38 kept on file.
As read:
h=6 m=18 s=44
